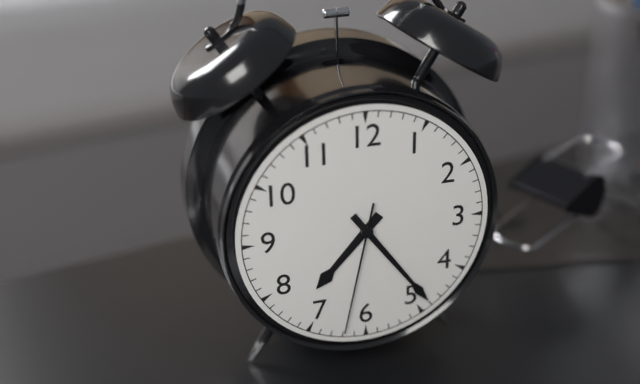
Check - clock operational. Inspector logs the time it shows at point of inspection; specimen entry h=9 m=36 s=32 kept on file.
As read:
h=7 m=24 s=32
